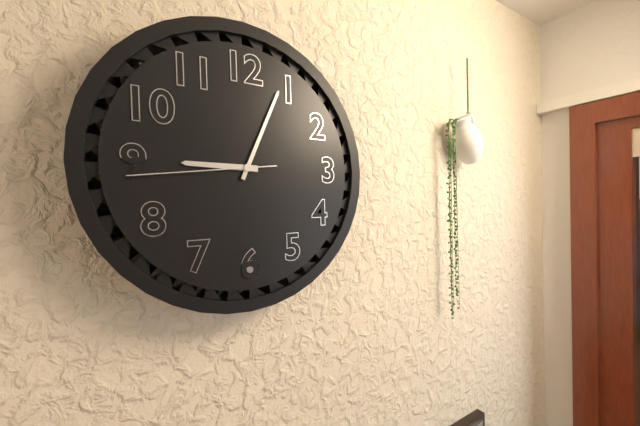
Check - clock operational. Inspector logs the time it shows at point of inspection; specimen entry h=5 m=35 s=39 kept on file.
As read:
h=9 m=4 s=44
